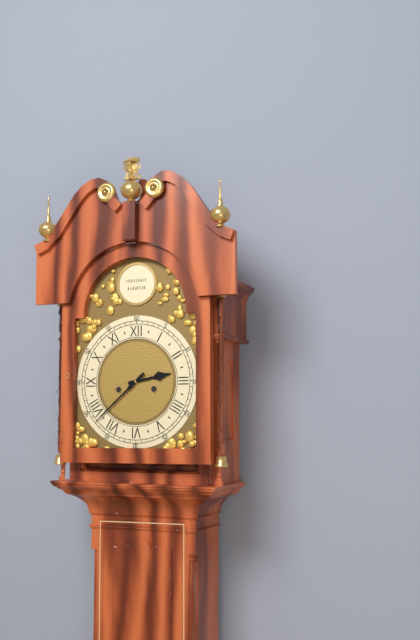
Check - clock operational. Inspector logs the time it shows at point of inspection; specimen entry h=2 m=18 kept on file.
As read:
h=2 m=38
